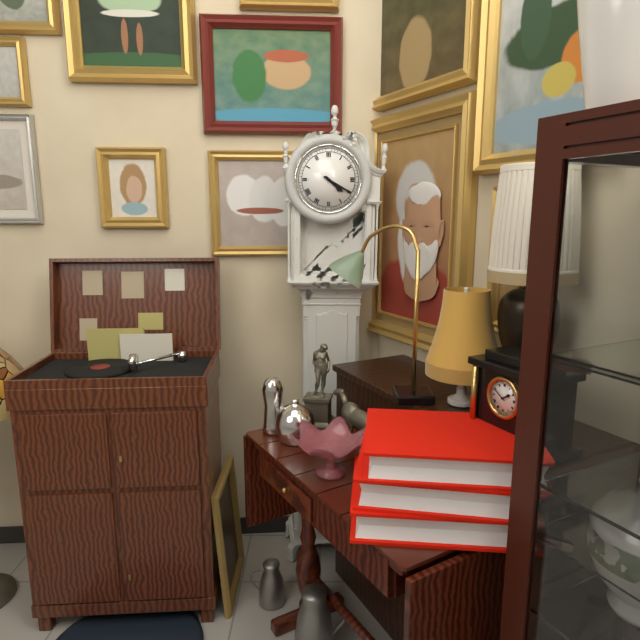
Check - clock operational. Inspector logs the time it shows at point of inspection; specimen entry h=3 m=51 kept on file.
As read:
h=4 m=20
